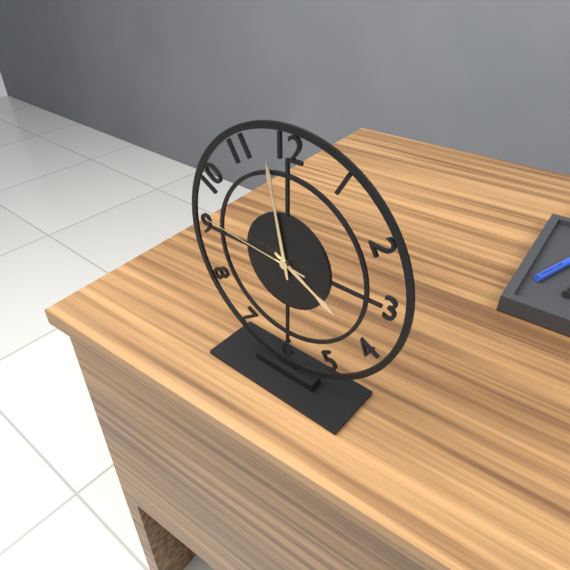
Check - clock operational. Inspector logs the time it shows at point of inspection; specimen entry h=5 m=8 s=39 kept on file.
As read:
h=3 m=58 s=46
